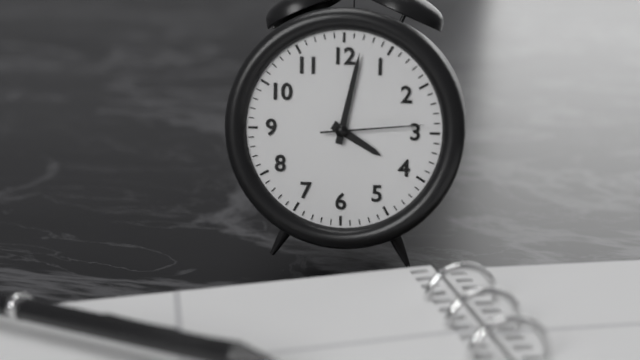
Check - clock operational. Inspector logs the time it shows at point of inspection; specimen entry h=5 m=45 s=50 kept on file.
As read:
h=4 m=2 s=14
